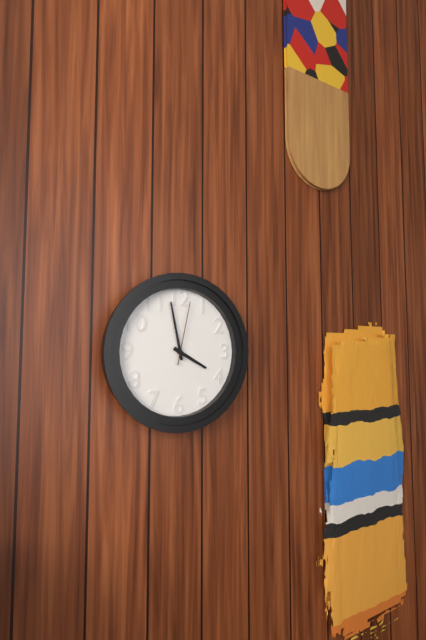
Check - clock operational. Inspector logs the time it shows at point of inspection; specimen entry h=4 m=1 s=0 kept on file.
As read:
h=3 m=58 s=2
